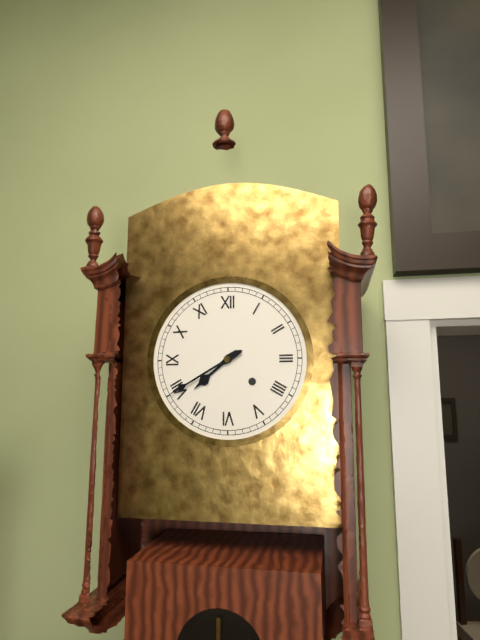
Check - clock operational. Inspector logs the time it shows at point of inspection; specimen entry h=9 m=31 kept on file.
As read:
h=7 m=40
